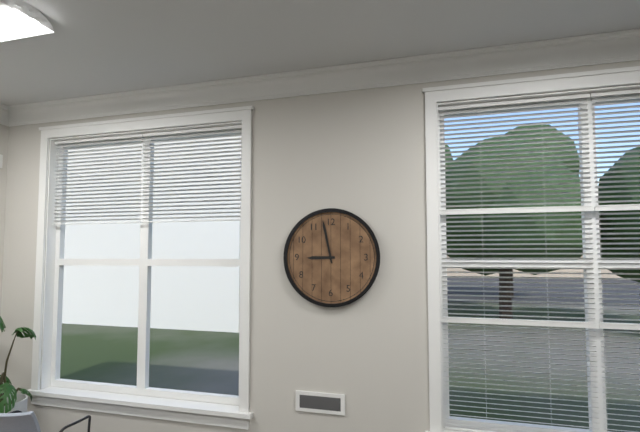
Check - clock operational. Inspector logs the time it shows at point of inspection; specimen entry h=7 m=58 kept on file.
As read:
h=8 m=58
